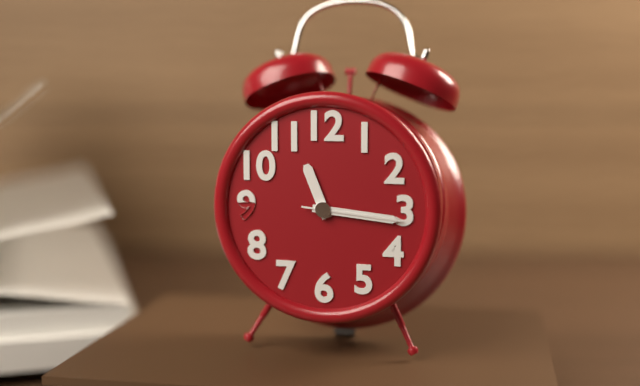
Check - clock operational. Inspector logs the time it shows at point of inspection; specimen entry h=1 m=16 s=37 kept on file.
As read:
h=11 m=16 s=16
